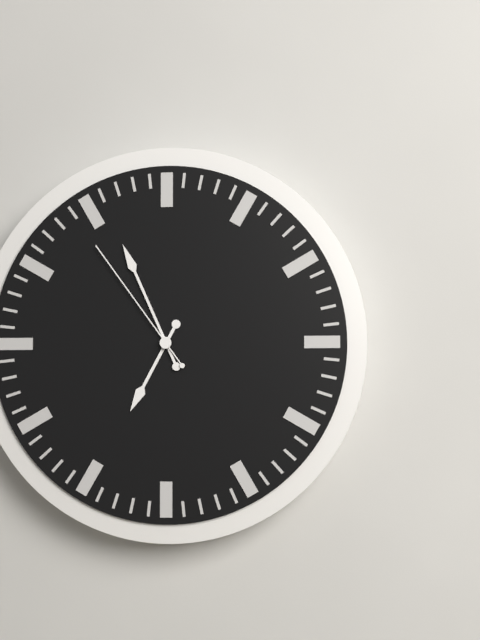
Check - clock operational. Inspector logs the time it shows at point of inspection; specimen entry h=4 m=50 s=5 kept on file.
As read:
h=6 m=56 s=54
